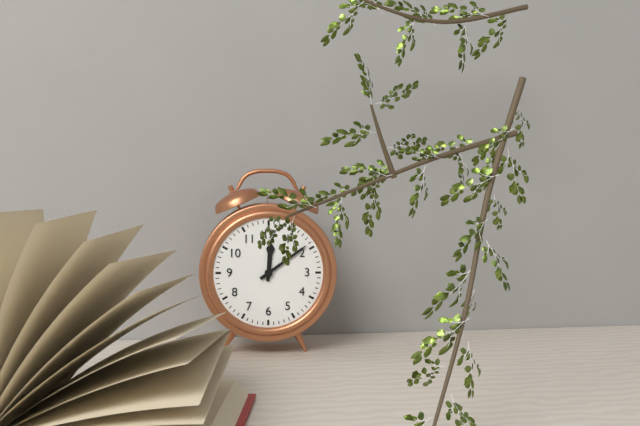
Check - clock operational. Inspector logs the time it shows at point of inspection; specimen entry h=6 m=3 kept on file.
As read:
h=12 m=9
